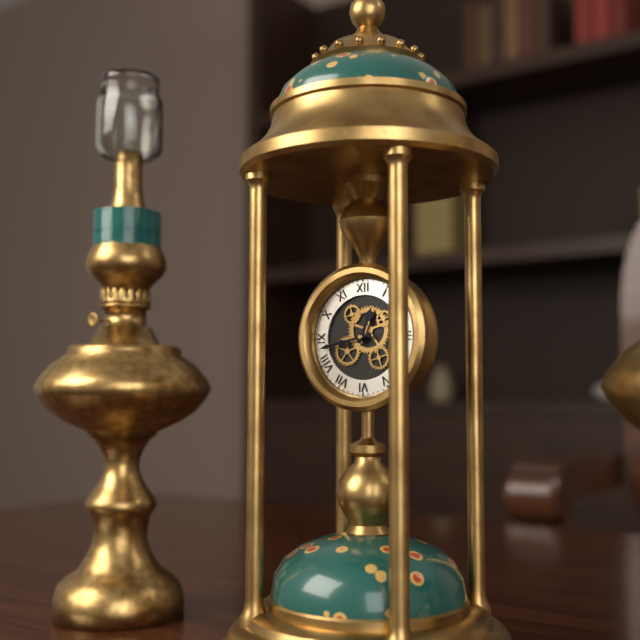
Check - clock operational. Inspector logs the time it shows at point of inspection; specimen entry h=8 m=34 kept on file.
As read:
h=12 m=43
